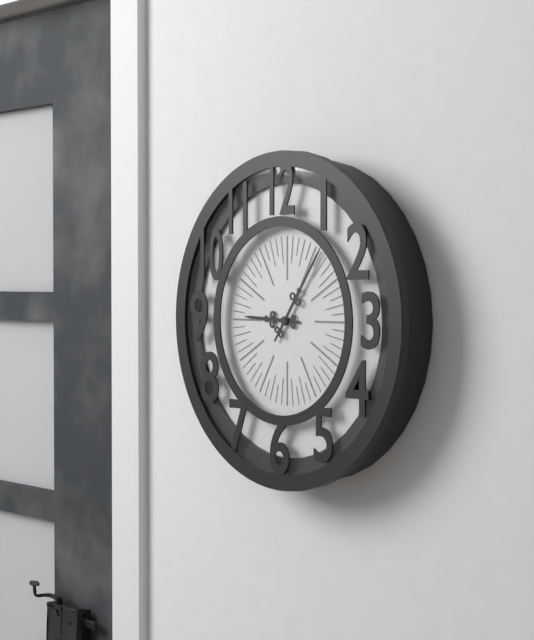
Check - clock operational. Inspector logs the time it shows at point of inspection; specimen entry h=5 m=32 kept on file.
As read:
h=9 m=6
